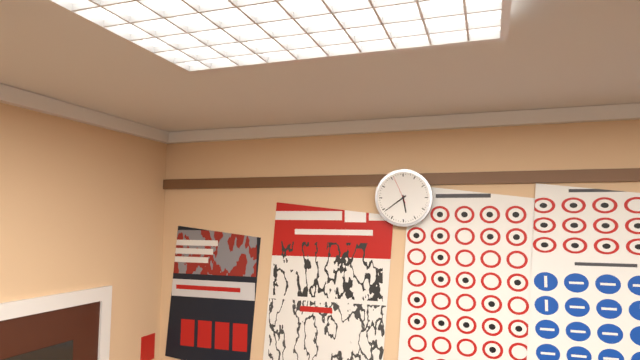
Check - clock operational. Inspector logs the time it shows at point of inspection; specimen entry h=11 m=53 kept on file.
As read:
h=5 m=39
